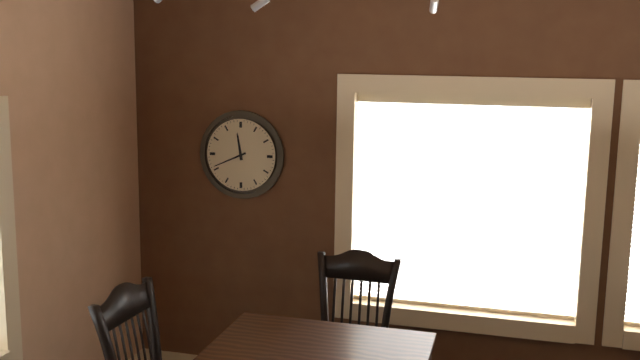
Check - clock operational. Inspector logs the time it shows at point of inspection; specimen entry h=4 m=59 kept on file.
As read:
h=11 m=41
